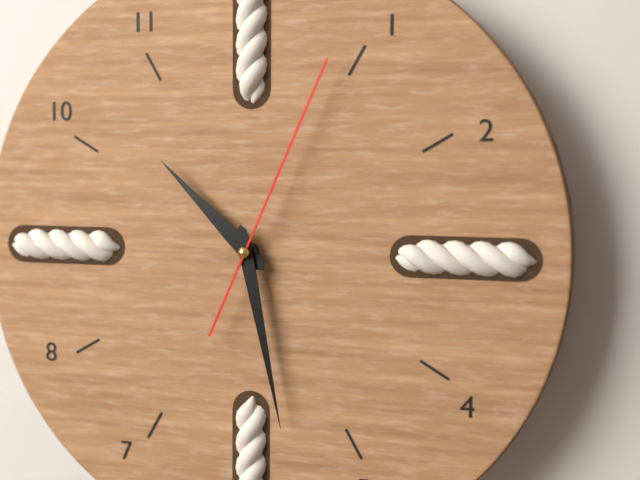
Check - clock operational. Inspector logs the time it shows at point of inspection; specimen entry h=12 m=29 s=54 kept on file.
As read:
h=10 m=28 s=4
